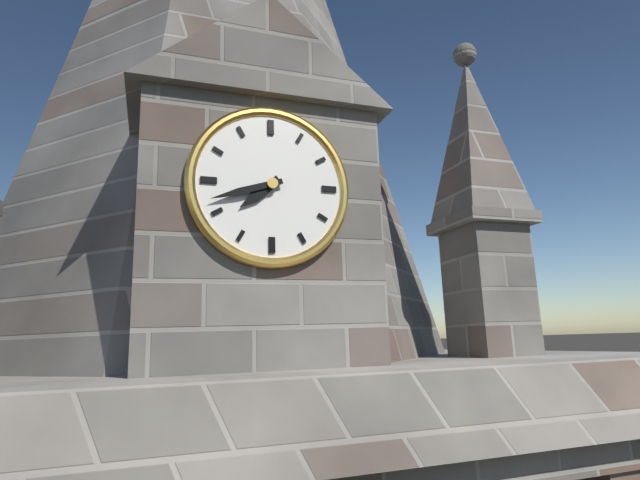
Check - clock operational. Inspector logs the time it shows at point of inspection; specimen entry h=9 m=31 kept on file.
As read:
h=7 m=42
